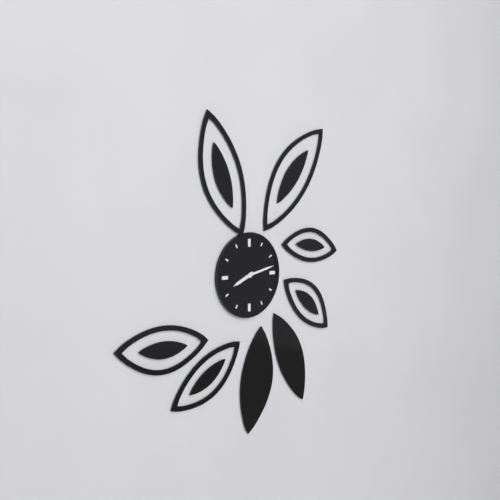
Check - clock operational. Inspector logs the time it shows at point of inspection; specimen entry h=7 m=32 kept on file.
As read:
h=8 m=13
